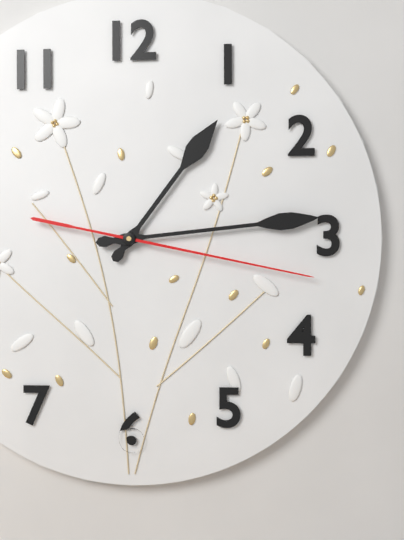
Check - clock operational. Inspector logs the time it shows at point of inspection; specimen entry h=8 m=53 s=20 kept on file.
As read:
h=1 m=14 s=17
